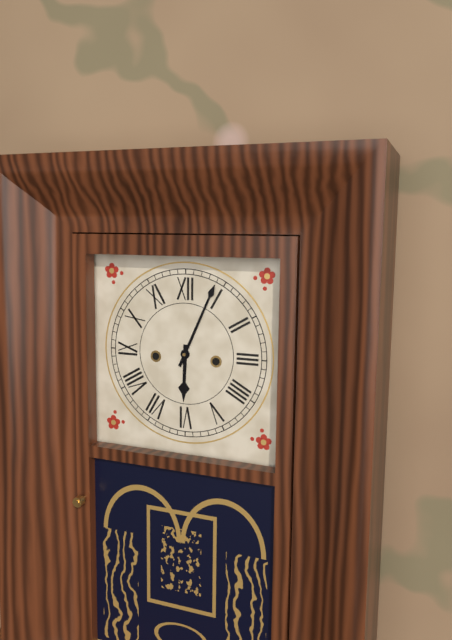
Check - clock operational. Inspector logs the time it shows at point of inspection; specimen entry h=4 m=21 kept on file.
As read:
h=6 m=4
